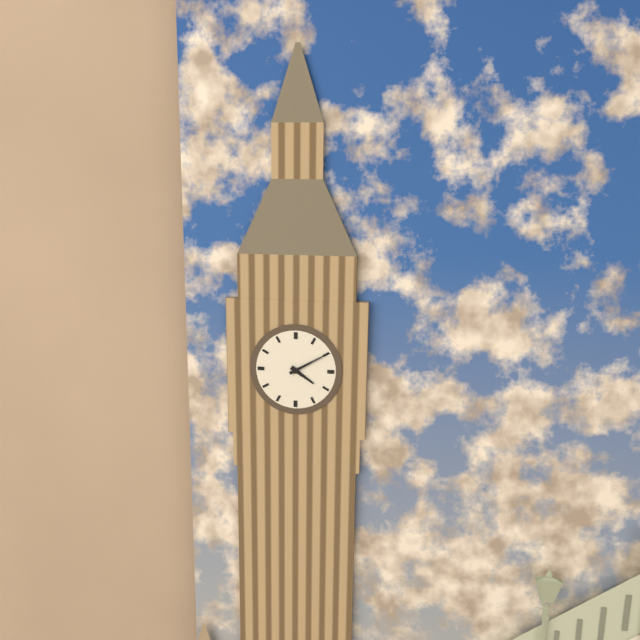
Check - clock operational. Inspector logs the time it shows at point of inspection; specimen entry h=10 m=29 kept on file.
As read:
h=4 m=10
